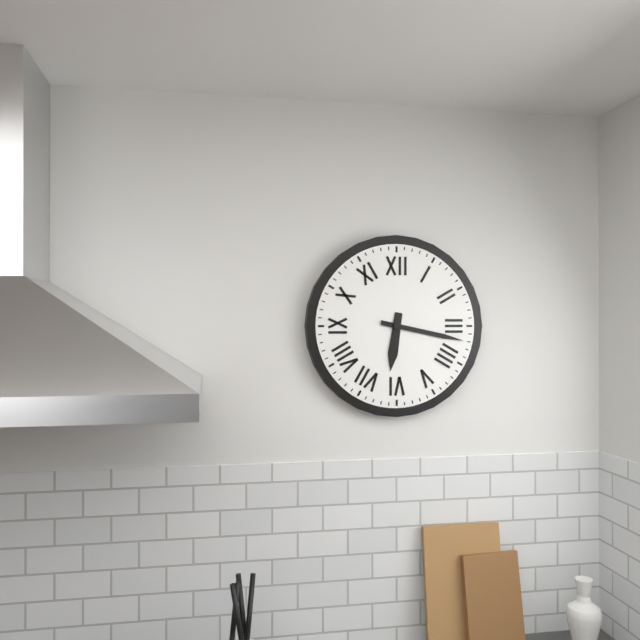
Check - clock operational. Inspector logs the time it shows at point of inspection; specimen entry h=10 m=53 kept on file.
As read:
h=6 m=17
